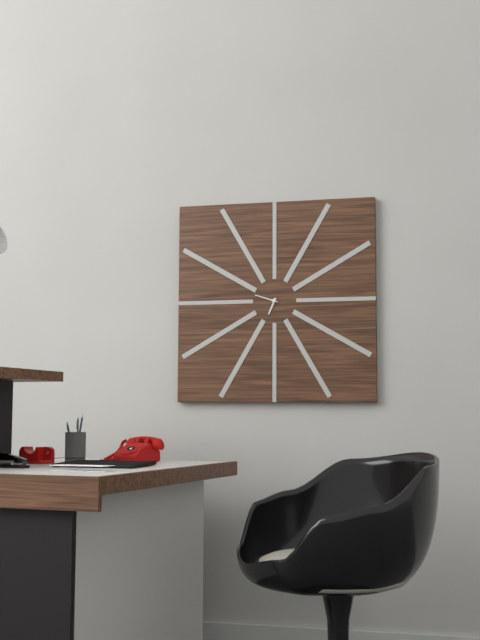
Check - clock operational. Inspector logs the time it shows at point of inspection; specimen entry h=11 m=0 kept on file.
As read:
h=6 m=48
